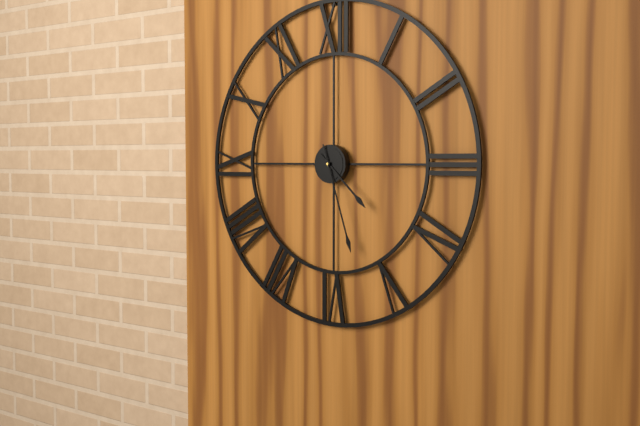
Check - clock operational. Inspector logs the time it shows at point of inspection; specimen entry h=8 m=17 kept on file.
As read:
h=4 m=27
